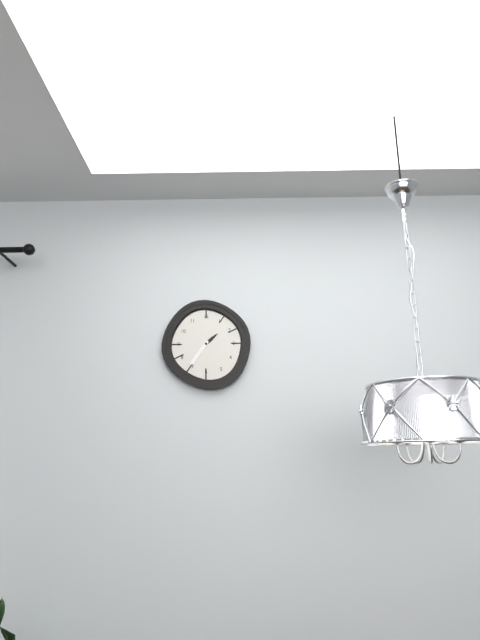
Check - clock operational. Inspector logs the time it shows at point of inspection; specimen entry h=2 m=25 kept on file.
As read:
h=1 m=36
